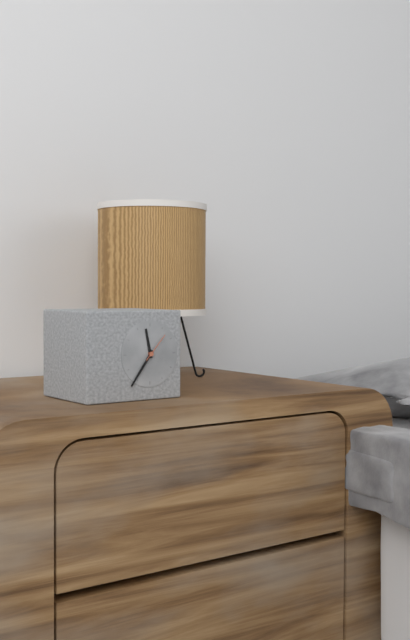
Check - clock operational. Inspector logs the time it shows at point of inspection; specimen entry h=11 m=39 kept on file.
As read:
h=11 m=36
